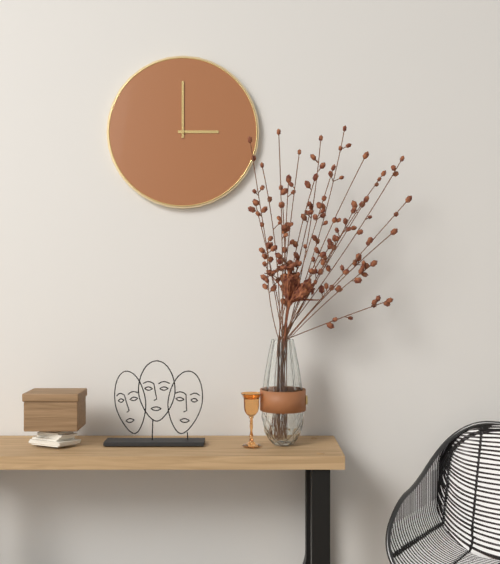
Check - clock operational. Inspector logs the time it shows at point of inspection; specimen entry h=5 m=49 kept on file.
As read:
h=3 m=0
